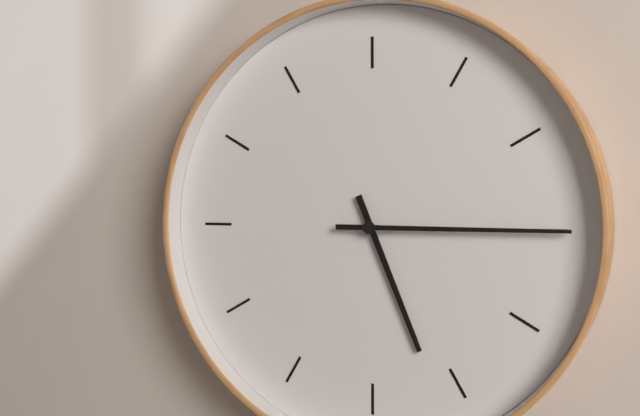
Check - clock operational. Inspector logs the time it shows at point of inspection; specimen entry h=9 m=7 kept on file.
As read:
h=5 m=15
